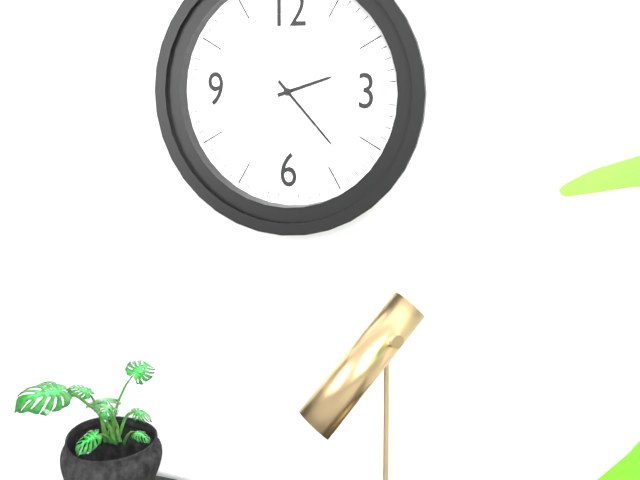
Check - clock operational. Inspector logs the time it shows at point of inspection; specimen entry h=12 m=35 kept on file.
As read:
h=2 m=23
